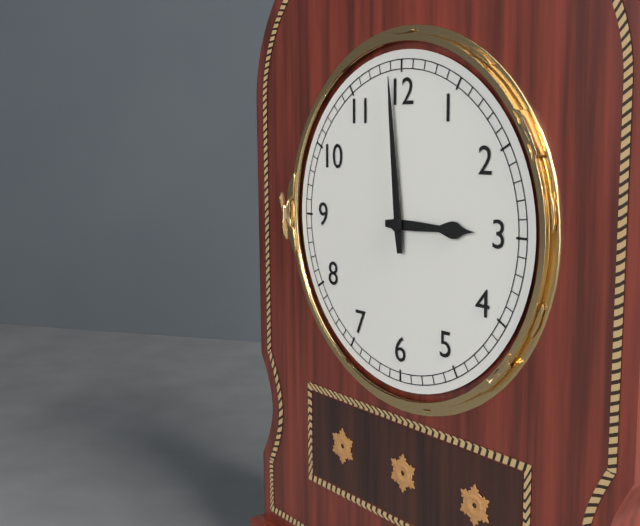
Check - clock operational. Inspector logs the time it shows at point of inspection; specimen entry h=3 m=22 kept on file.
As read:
h=2 m=59
